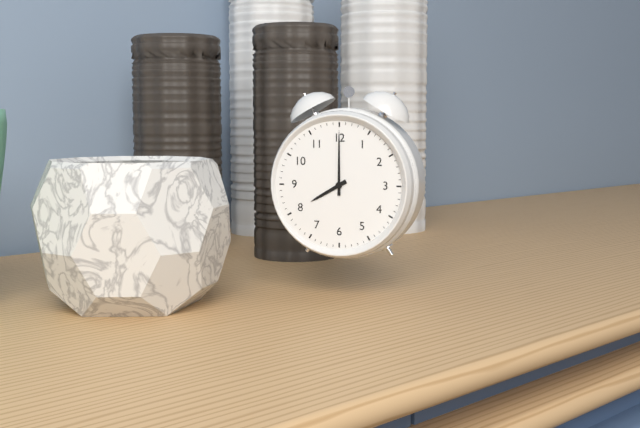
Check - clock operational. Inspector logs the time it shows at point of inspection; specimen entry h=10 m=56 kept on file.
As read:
h=8 m=0
